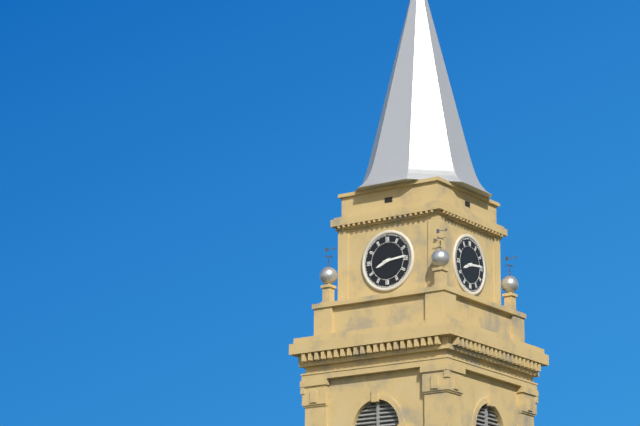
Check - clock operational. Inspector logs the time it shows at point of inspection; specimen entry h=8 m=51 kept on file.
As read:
h=8 m=14
